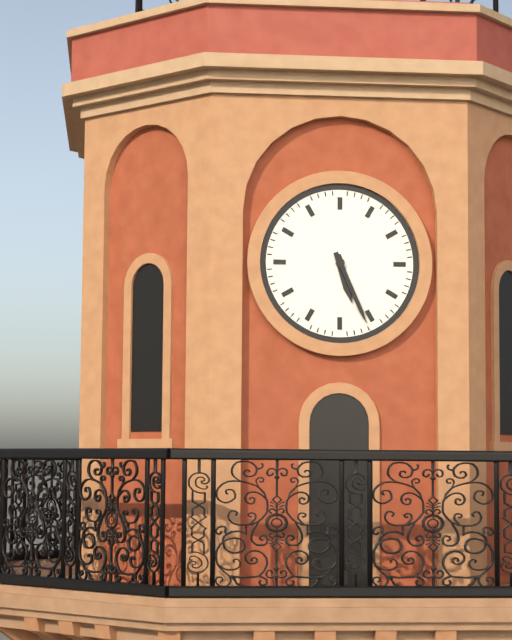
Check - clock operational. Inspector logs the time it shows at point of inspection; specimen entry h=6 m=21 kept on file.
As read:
h=5 m=26
